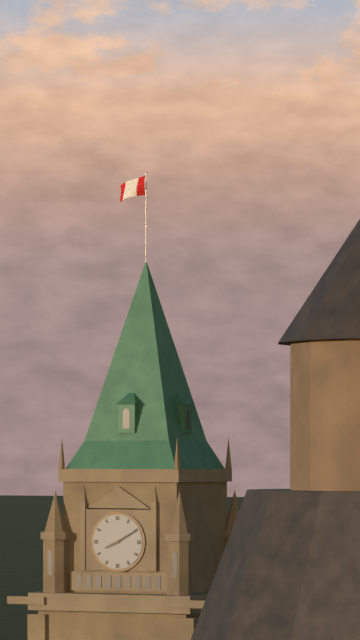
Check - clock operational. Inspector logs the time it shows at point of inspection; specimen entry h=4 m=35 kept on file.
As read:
h=8 m=10
